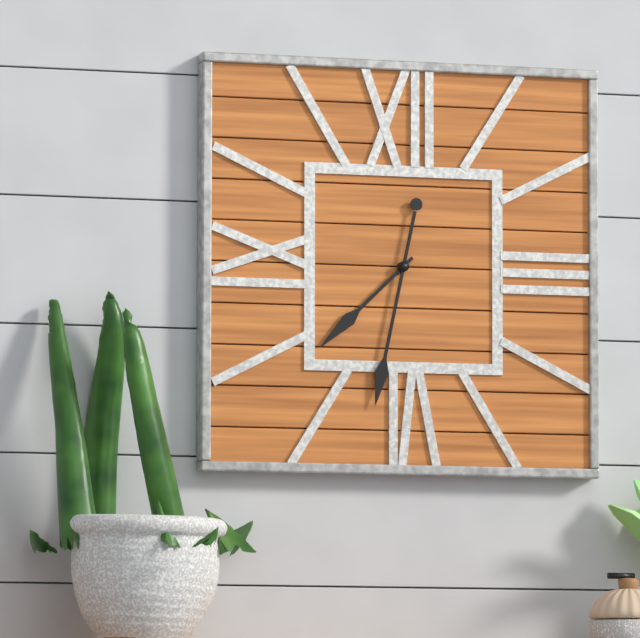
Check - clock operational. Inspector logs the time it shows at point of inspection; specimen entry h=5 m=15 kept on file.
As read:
h=7 m=32
